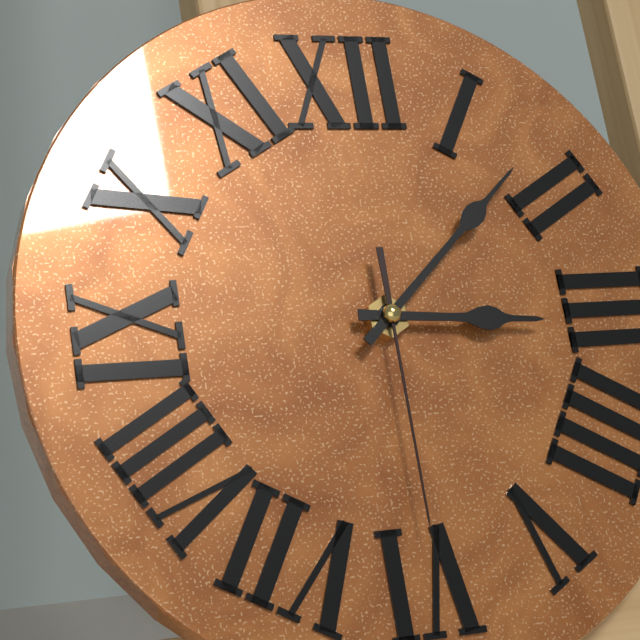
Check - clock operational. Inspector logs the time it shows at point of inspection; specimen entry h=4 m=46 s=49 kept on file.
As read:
h=3 m=8 s=30
